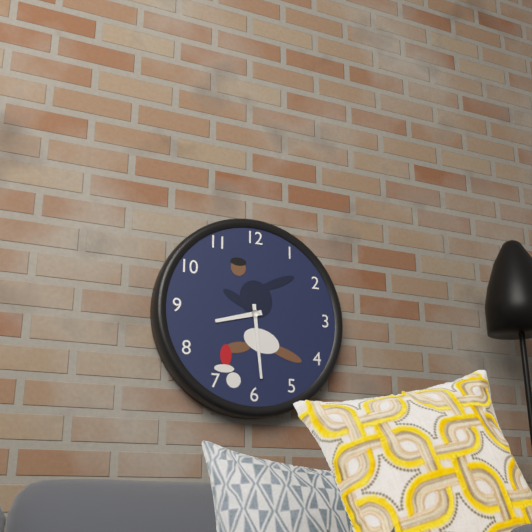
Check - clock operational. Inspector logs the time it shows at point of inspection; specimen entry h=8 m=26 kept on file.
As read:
h=8 m=29
